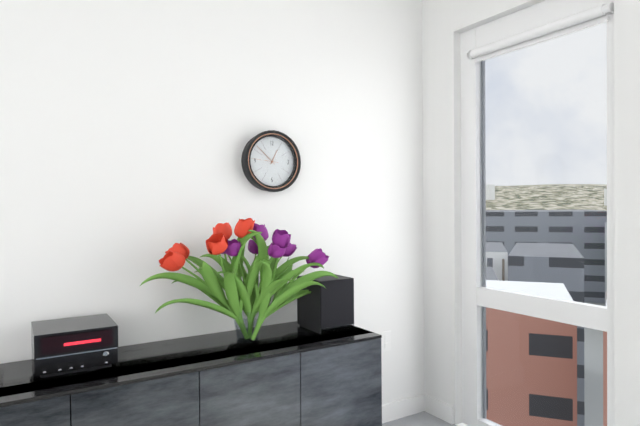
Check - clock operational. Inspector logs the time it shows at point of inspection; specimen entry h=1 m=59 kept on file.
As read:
h=12 m=52
